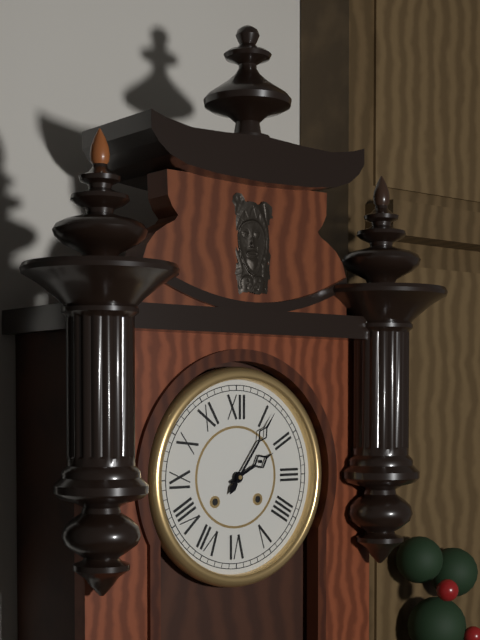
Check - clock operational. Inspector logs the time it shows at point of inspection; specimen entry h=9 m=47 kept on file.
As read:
h=2 m=6
